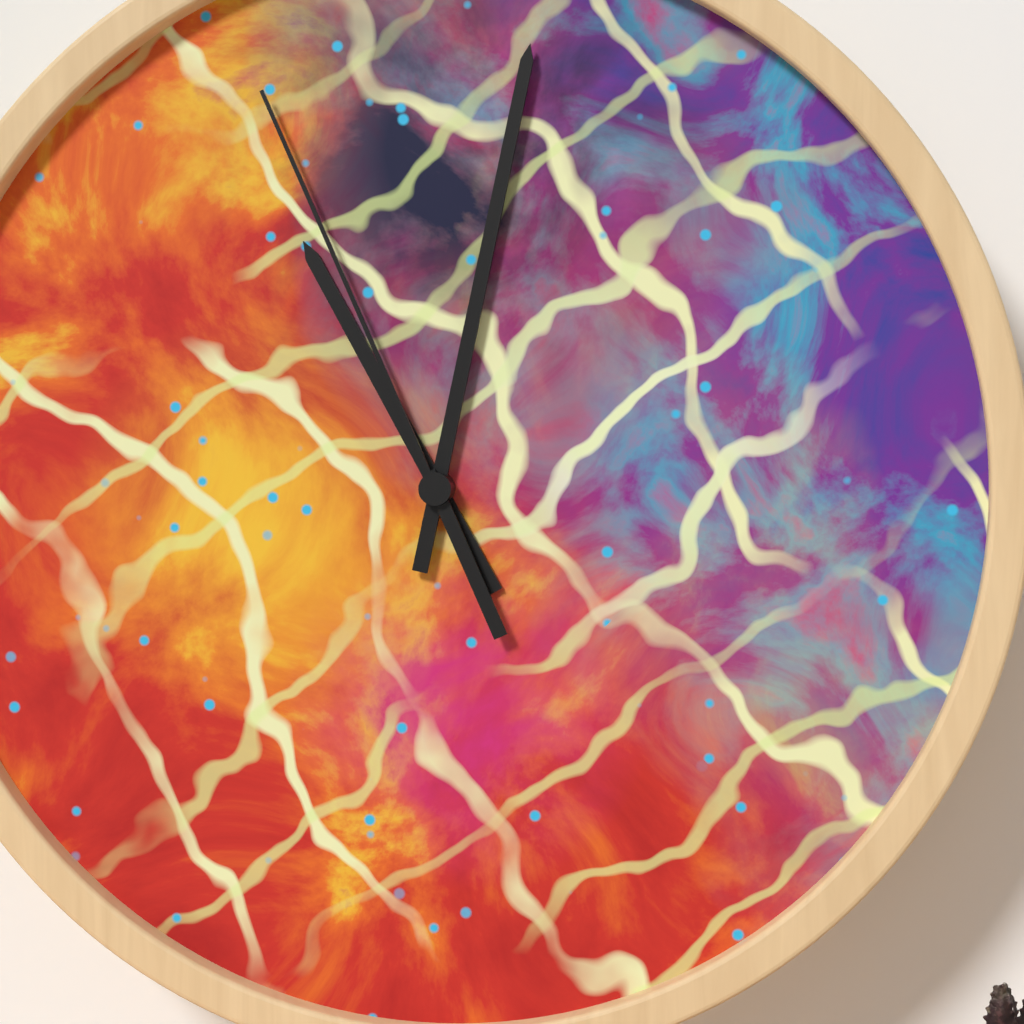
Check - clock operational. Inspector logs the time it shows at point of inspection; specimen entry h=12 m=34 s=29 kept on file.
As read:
h=11 m=2 s=56
